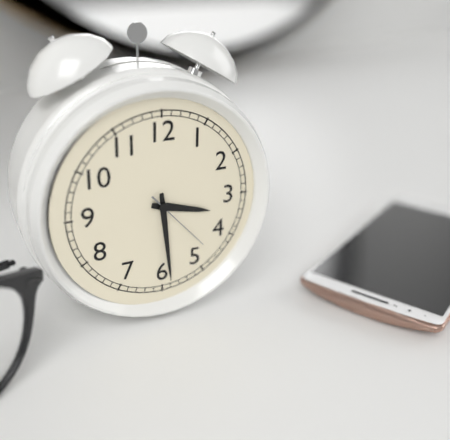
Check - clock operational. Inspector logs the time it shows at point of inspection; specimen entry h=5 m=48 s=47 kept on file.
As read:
h=3 m=29 s=23
